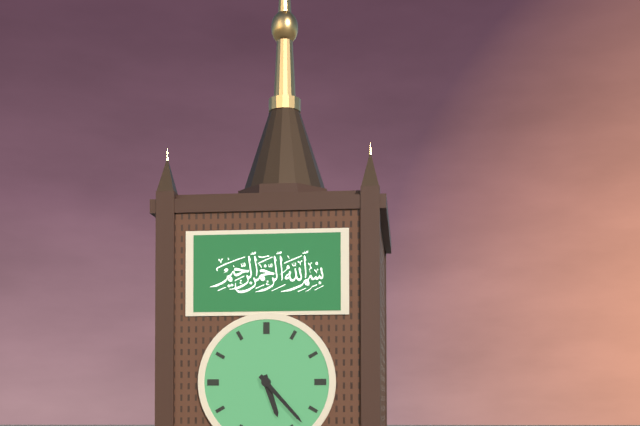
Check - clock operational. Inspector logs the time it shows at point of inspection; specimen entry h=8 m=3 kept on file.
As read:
h=5 m=23
